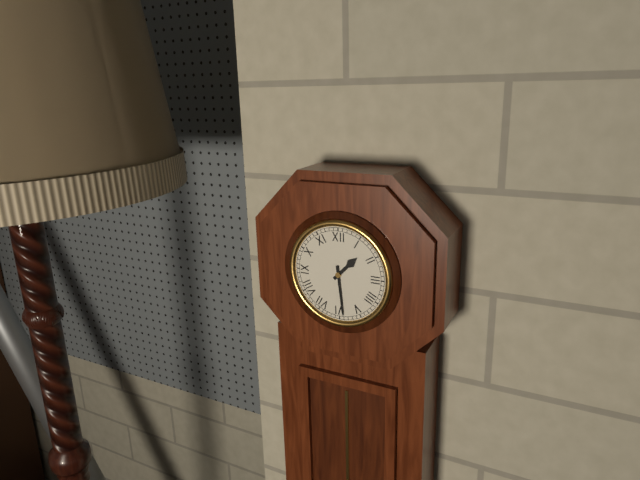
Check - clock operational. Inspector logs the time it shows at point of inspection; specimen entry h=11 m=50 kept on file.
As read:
h=1 m=29
